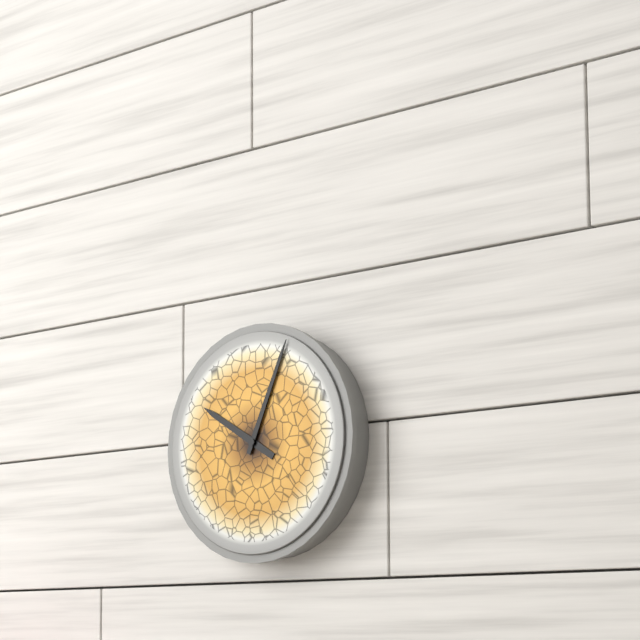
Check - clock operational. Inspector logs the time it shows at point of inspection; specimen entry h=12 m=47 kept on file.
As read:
h=10 m=4
